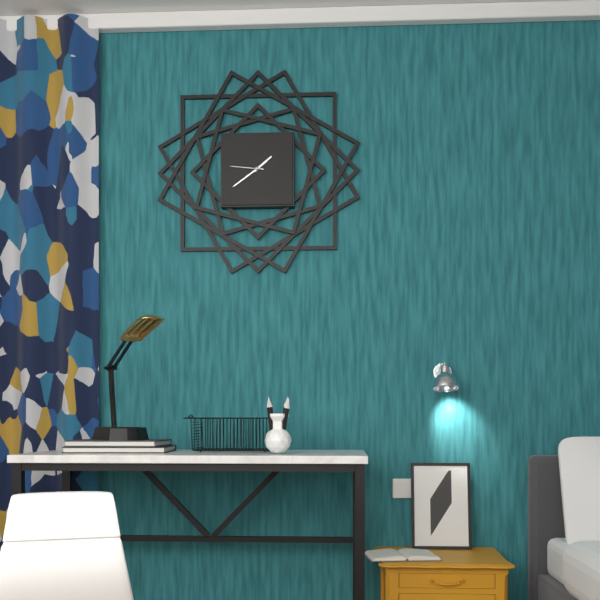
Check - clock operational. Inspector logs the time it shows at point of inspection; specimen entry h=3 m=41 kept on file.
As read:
h=1 m=39
